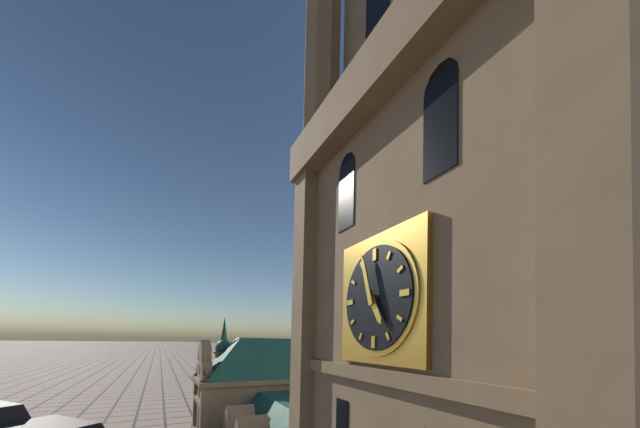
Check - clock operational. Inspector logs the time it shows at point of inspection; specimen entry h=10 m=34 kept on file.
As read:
h=4 m=57
